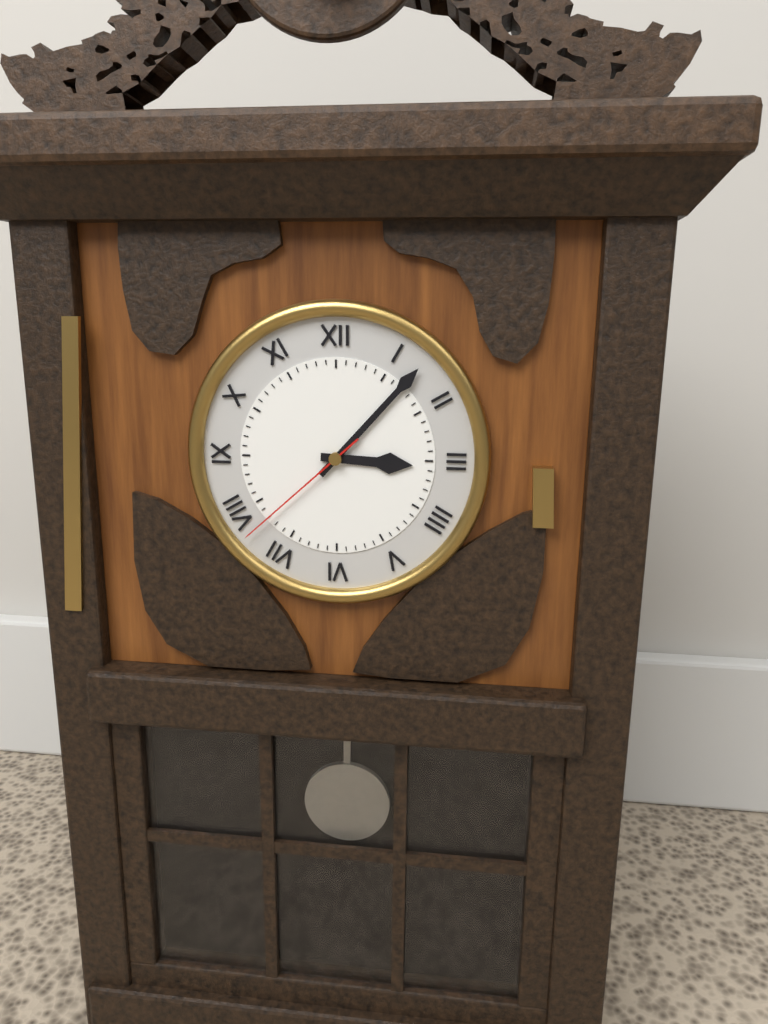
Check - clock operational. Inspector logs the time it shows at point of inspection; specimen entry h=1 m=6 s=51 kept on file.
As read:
h=3 m=7 s=38
